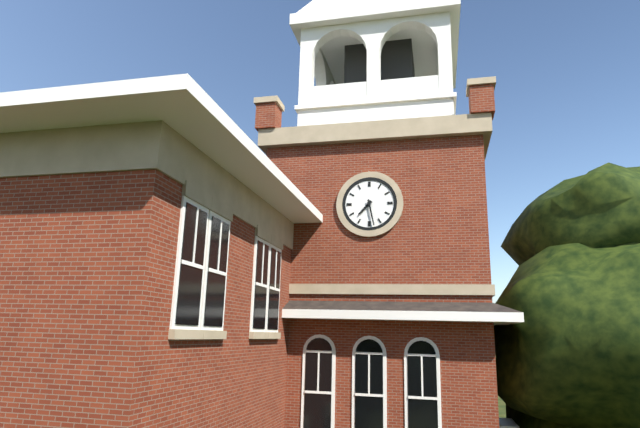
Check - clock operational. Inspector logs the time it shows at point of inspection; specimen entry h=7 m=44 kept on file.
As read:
h=7 m=28
